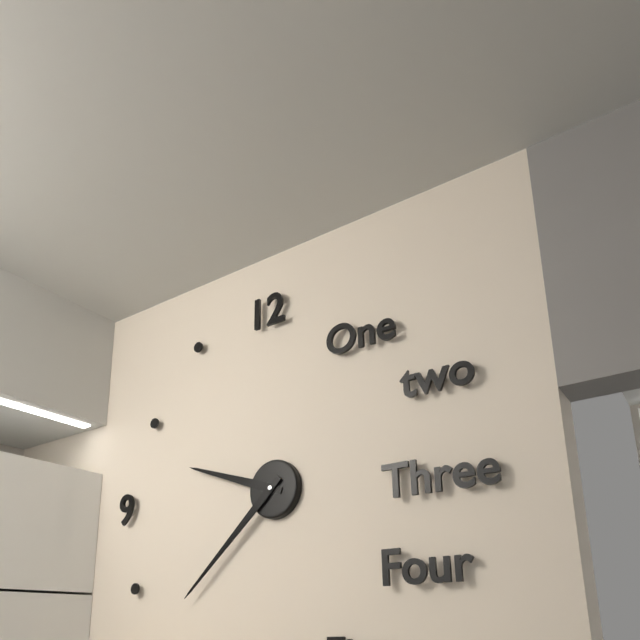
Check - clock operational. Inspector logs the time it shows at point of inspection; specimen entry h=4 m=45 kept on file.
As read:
h=9 m=38
